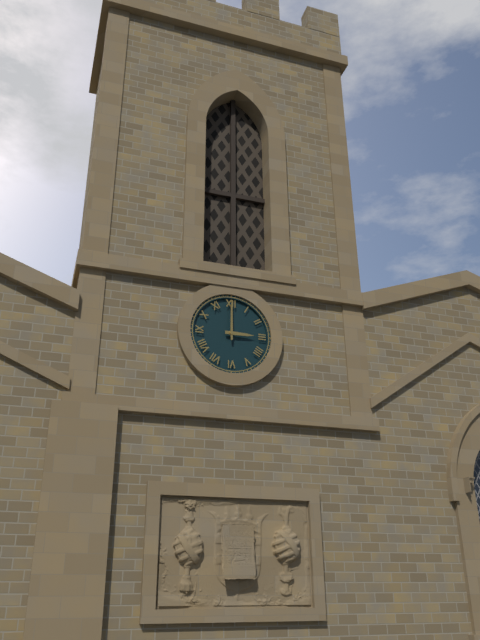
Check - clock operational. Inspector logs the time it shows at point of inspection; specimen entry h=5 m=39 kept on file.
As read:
h=3 m=0
